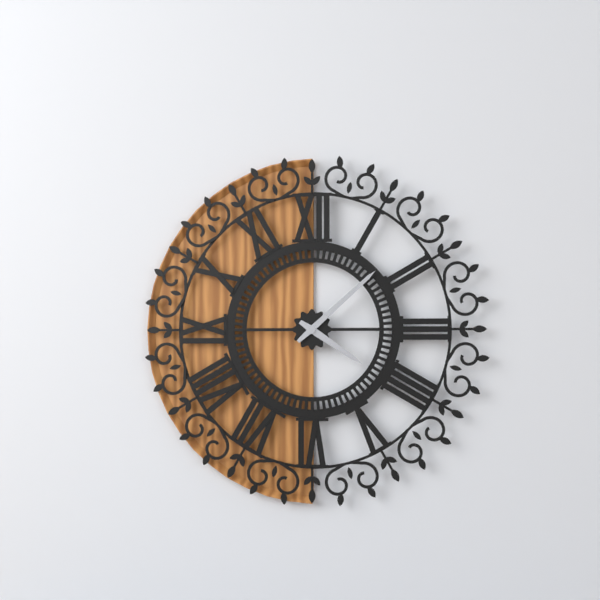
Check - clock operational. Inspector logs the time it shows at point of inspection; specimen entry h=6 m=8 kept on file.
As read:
h=4 m=8
